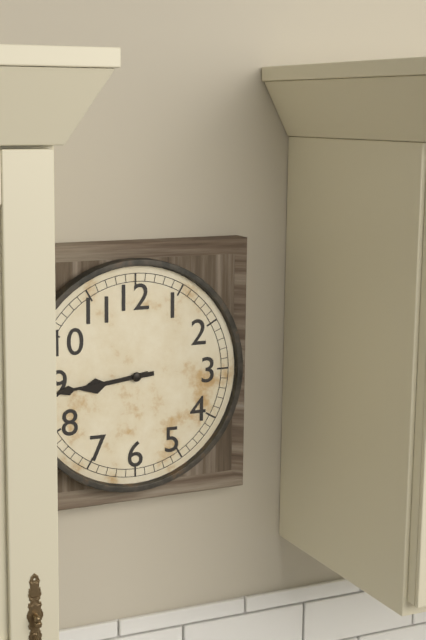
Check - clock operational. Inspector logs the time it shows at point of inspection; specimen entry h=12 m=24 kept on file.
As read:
h=8 m=44
